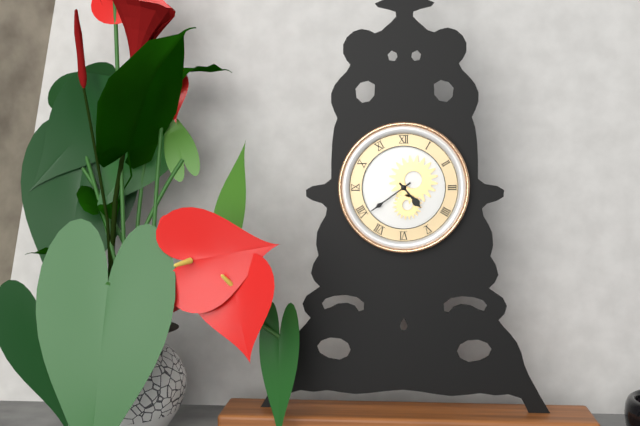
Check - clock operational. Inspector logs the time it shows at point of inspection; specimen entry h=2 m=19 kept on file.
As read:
h=4 m=39
